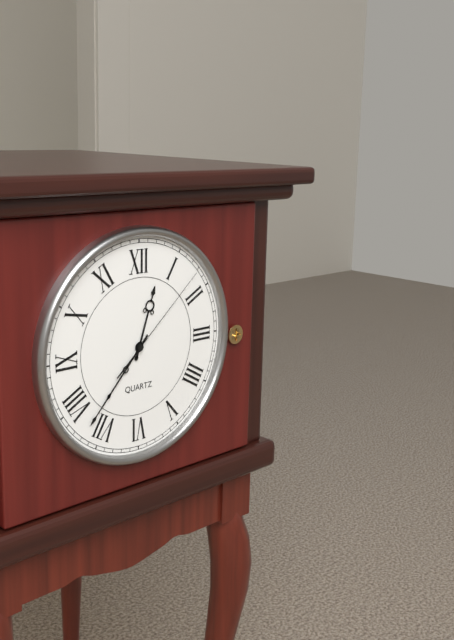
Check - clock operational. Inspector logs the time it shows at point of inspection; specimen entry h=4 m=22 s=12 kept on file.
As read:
h=12 m=37 s=8
